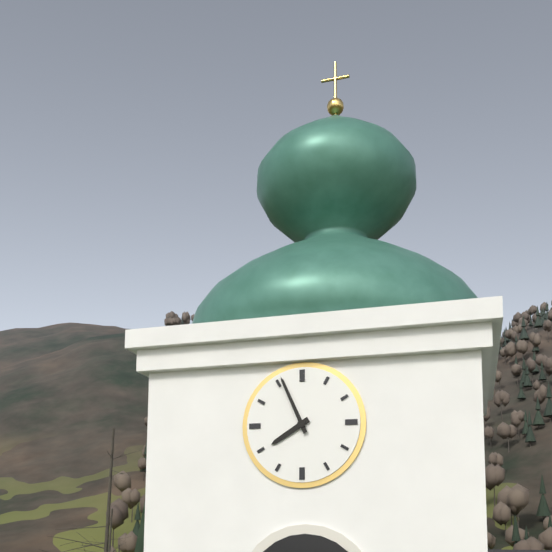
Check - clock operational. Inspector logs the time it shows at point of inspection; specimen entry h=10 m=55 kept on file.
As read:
h=7 m=56
